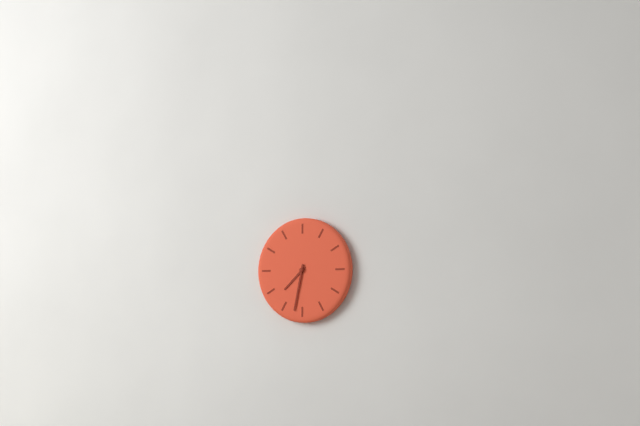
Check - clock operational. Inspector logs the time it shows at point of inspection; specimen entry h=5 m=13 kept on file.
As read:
h=7 m=32
